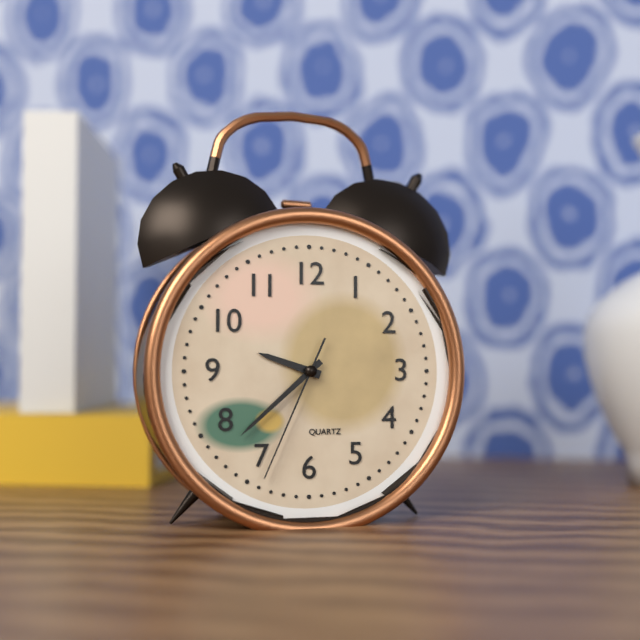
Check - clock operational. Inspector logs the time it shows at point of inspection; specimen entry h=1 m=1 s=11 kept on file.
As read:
h=9 m=38 s=34
